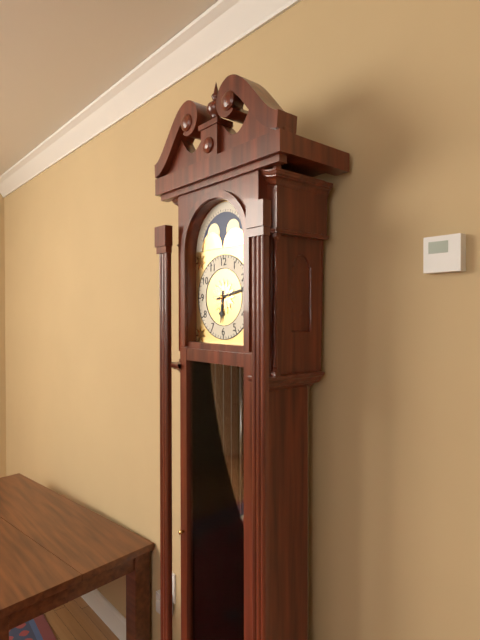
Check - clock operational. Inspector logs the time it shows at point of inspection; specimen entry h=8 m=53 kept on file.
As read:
h=6 m=13
